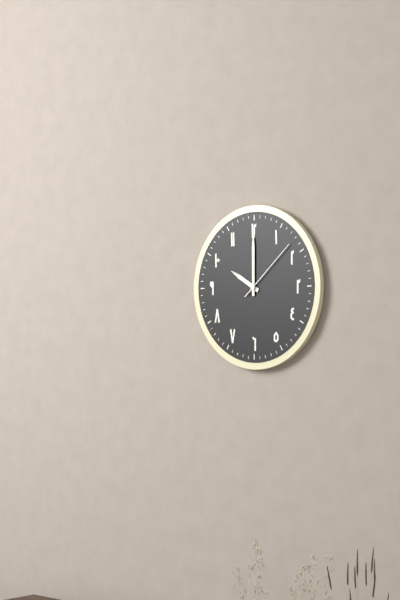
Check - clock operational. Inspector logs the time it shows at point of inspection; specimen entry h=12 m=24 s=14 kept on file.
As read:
h=10 m=0 s=8
